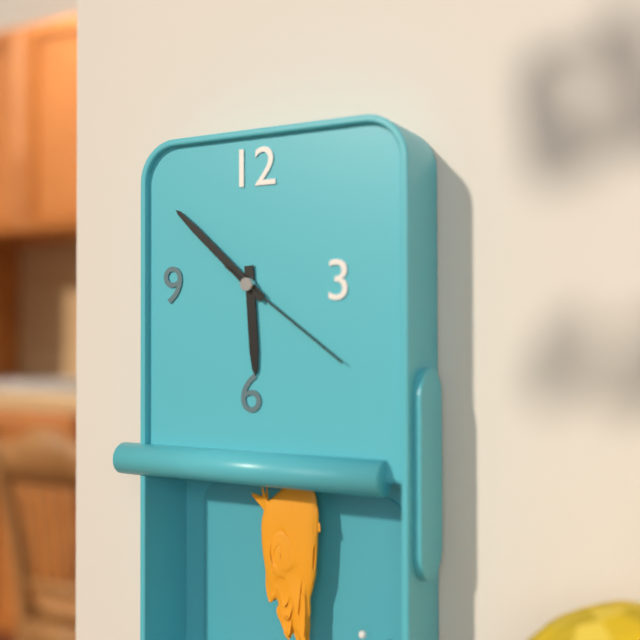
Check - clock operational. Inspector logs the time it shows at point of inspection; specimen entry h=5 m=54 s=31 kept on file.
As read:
h=5 m=52 s=21
